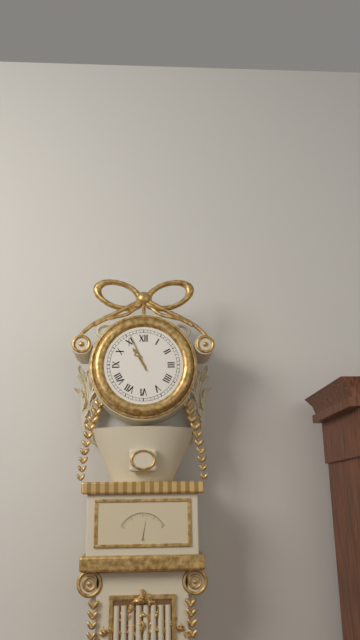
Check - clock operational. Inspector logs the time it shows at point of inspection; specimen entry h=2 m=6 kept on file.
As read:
h=10 m=56
